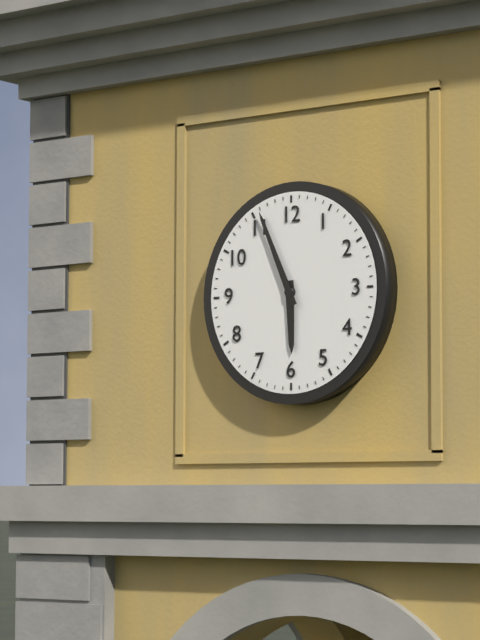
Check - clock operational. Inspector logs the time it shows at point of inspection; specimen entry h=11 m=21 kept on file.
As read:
h=5 m=56
